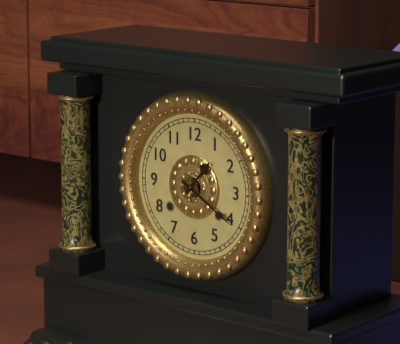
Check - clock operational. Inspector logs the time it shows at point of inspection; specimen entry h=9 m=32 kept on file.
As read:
h=1 m=20
